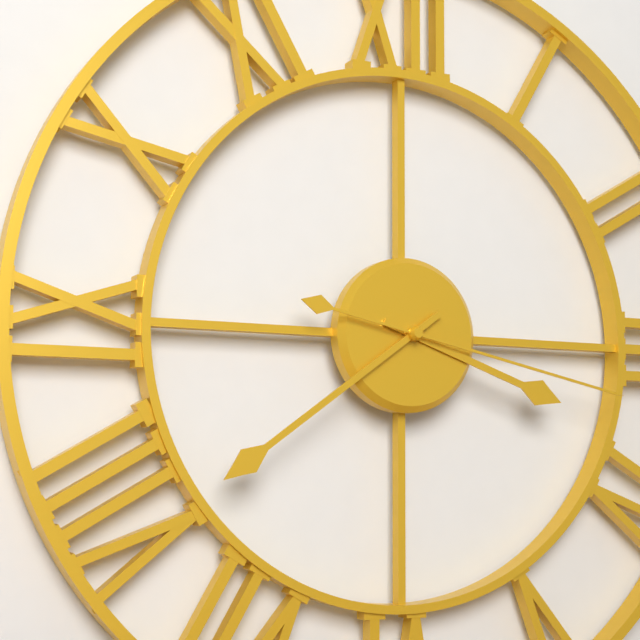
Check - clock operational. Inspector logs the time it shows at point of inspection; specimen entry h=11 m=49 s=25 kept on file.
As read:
h=3 m=39 s=17
